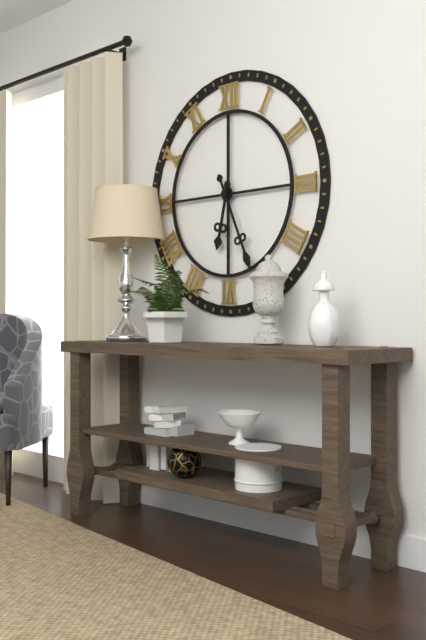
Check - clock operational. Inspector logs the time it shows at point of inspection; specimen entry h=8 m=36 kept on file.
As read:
h=6 m=26
